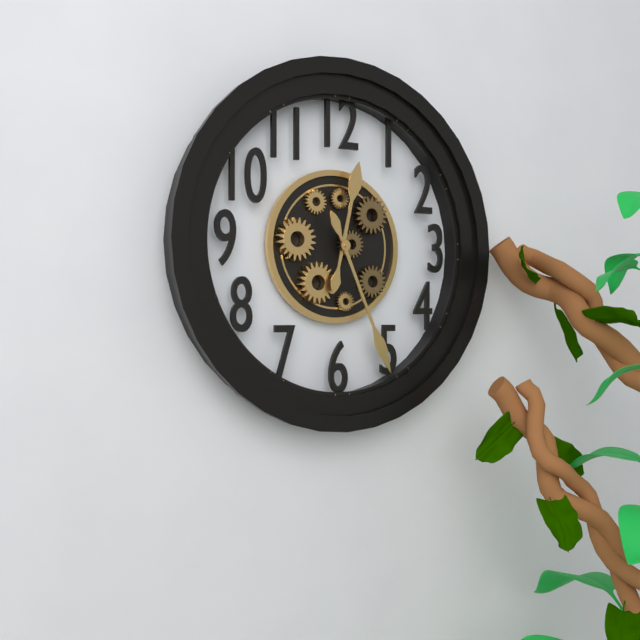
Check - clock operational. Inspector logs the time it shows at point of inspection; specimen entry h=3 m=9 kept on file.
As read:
h=12 m=26
